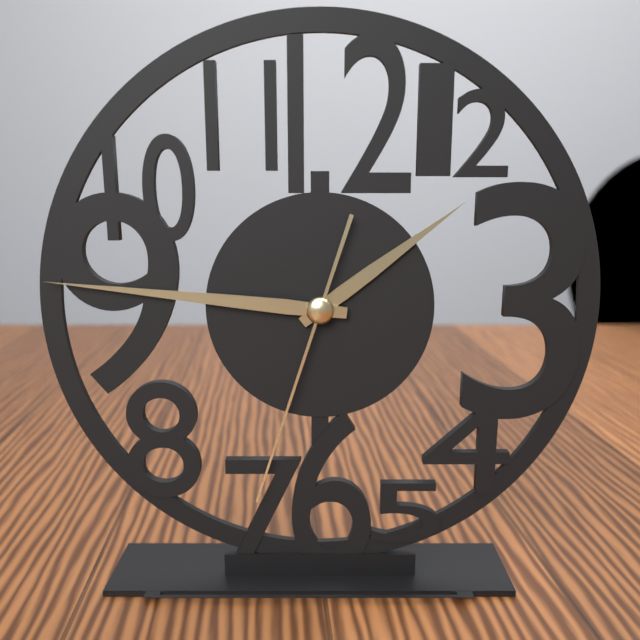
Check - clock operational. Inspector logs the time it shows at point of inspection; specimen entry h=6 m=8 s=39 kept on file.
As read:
h=1 m=46 s=33
